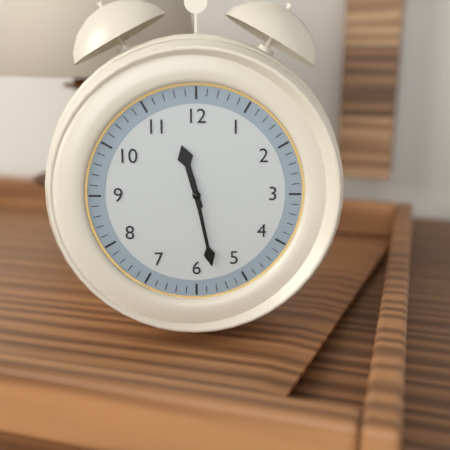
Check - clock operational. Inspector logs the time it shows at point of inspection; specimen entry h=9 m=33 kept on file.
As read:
h=11 m=28
